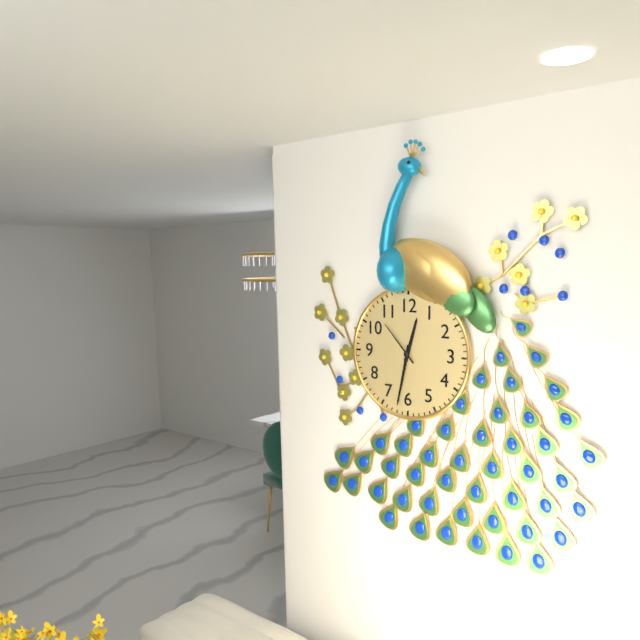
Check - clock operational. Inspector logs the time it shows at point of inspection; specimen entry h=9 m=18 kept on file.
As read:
h=12 m=32
